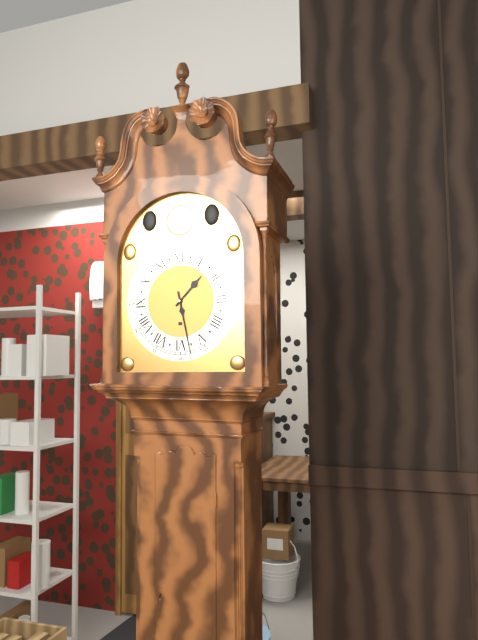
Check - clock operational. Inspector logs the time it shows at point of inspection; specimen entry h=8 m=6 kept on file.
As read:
h=1 m=28
